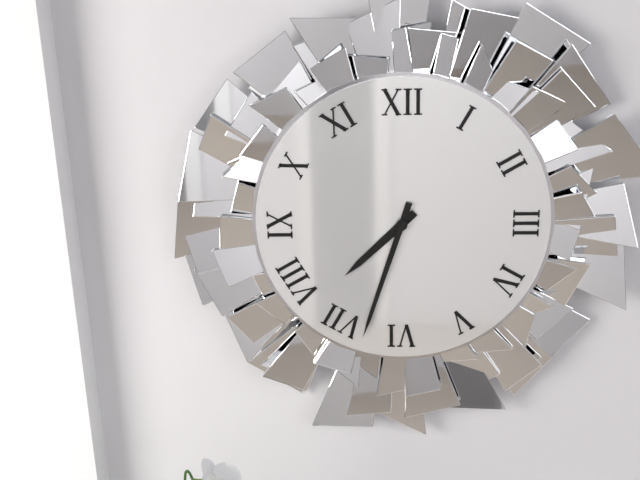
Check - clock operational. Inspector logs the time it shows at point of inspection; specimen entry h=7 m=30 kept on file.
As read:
h=7 m=33
